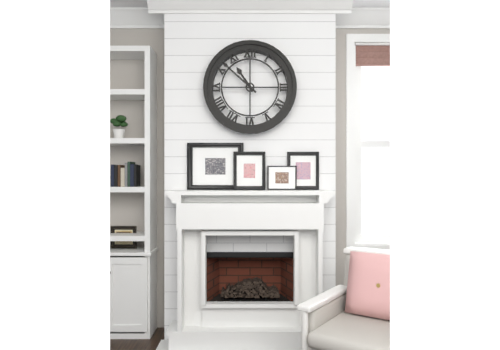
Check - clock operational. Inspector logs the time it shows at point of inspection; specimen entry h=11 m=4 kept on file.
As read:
h=10 m=52
